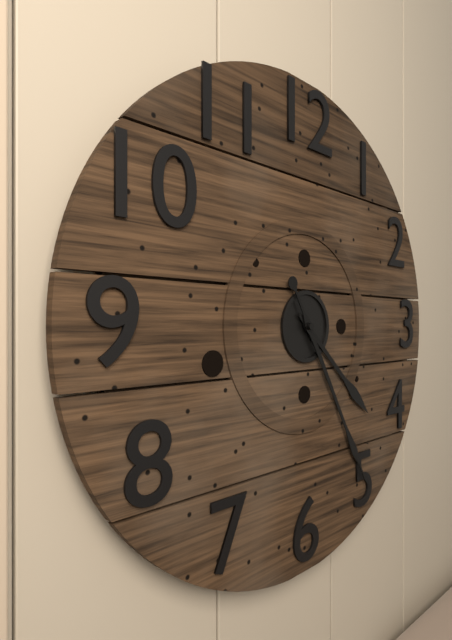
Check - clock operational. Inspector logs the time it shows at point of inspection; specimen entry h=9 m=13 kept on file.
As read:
h=4 m=25
